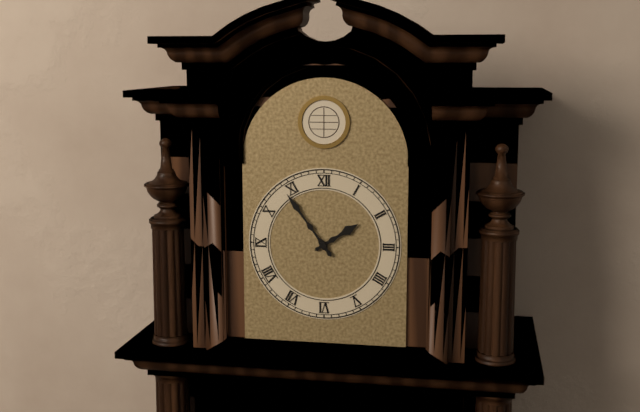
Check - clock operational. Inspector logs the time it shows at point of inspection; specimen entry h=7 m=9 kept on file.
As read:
h=1 m=54
